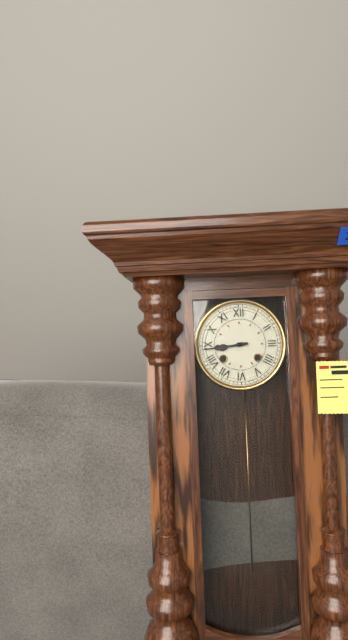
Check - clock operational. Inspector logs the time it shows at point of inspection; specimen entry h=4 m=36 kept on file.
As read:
h=8 m=44
